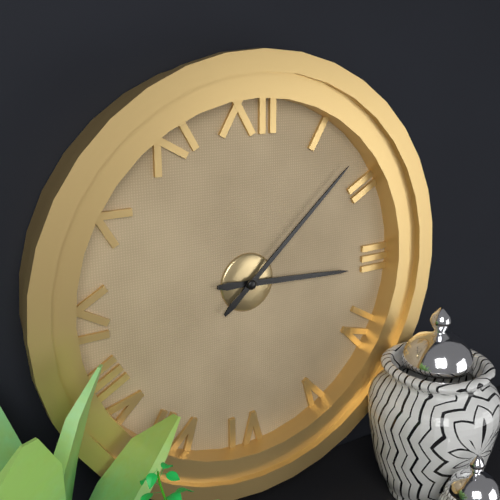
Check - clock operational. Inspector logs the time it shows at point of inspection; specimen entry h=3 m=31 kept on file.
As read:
h=3 m=8
